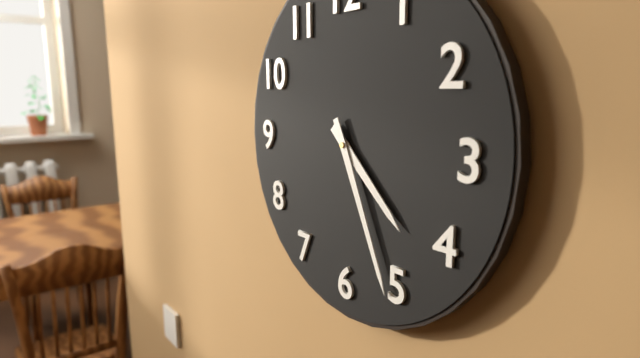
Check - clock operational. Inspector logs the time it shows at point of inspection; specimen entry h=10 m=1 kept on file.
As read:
h=4 m=26
